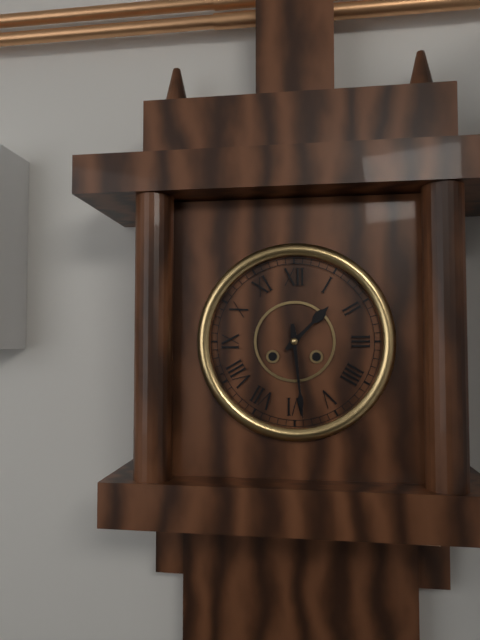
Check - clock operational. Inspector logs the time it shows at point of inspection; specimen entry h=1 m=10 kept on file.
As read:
h=1 m=29
